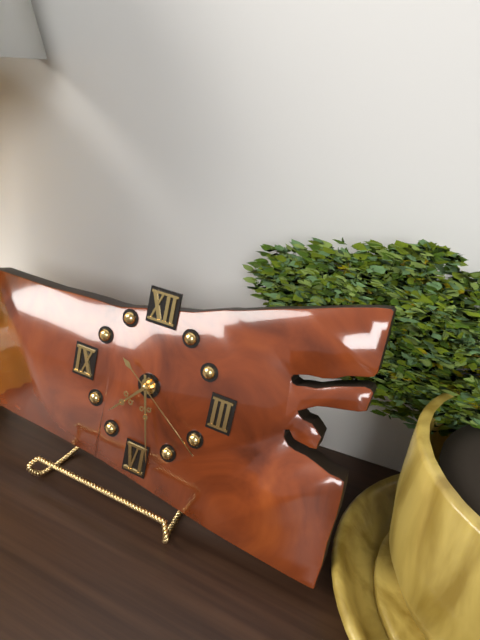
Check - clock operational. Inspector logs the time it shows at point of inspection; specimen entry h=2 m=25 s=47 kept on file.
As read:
h=7 m=28 s=21
